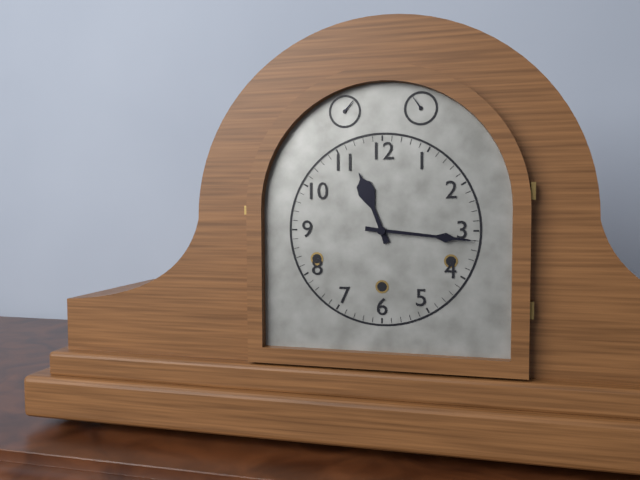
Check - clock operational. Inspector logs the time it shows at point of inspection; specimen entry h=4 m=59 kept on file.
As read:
h=11 m=16
